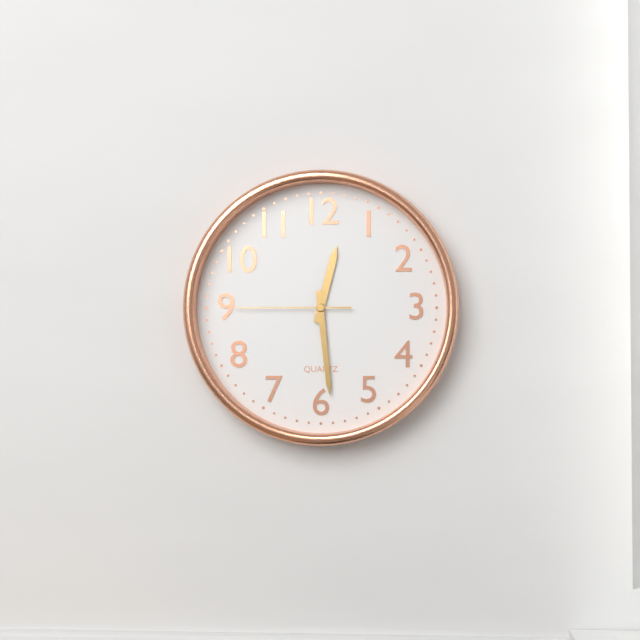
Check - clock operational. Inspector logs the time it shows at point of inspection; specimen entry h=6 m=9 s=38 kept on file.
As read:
h=12 m=29 s=45
